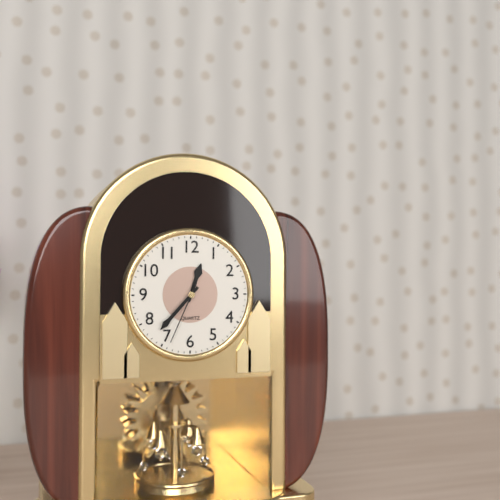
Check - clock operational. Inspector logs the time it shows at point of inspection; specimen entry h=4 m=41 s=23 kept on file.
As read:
h=12 m=37 s=34
